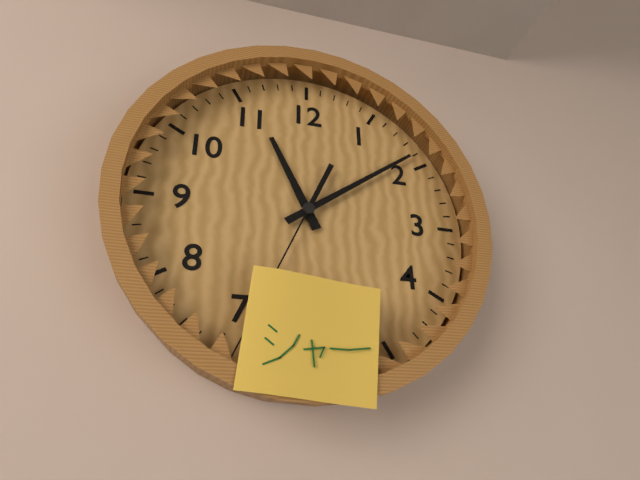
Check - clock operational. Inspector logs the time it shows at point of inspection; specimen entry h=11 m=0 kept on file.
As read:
h=11 m=9
